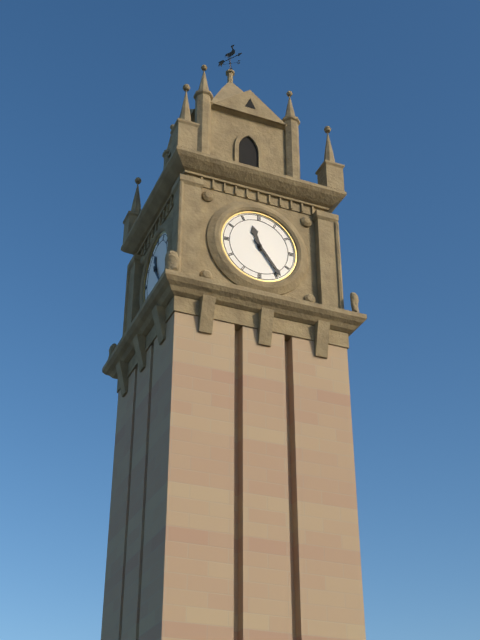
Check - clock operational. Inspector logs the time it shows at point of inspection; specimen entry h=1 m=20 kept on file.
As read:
h=11 m=24
